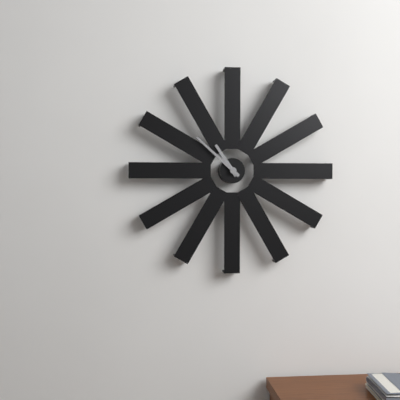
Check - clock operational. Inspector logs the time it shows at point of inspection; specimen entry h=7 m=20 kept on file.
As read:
h=10 m=52
